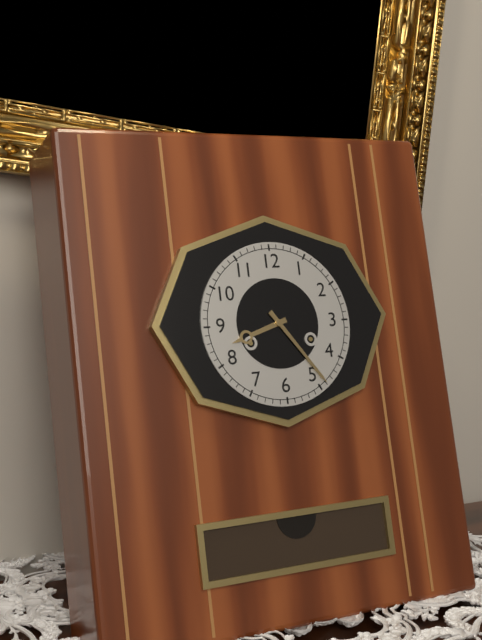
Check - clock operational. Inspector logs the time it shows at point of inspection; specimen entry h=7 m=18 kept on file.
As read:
h=8 m=24
